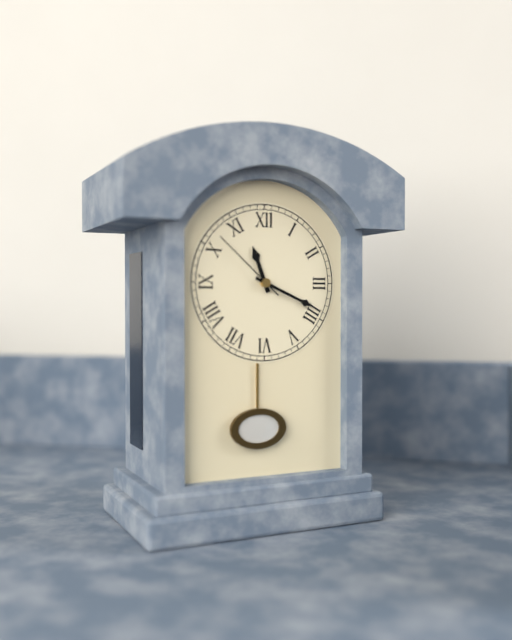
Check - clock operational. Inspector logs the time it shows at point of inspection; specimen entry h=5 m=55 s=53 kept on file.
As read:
h=11 m=19 s=52
